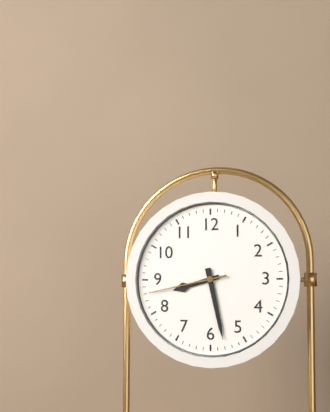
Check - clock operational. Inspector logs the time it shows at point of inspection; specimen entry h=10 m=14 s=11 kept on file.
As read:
h=8 m=28 s=43
